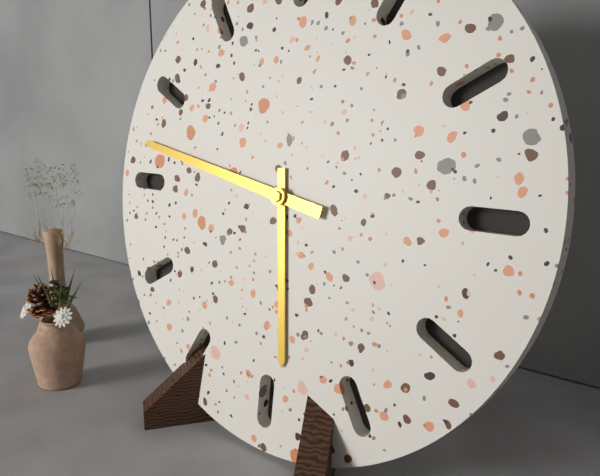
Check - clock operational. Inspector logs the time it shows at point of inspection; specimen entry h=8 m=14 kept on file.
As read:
h=5 m=47
